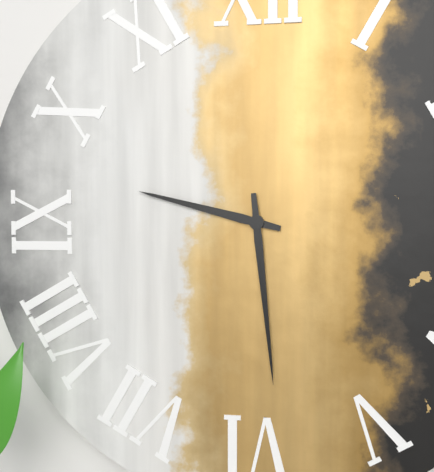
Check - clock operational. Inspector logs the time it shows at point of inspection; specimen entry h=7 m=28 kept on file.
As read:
h=9 m=29
